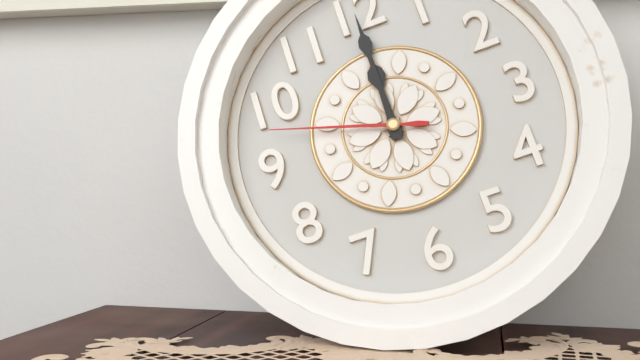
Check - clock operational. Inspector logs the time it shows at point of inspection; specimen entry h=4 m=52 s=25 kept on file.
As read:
h=12 m=0 s=48
